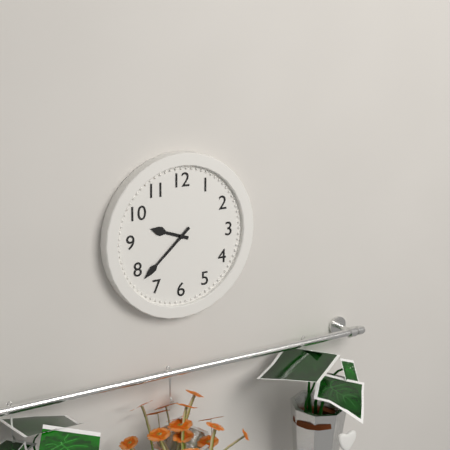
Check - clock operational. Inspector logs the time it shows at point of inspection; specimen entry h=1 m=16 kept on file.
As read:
h=9 m=38
